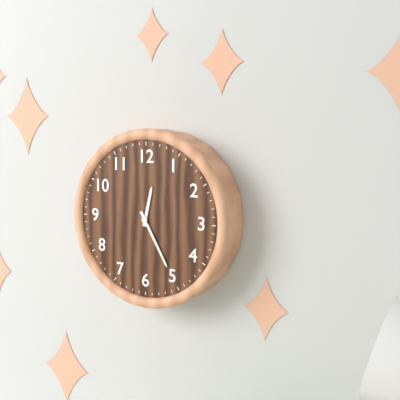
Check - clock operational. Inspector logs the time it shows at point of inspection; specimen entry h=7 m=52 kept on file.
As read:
h=12 m=25
